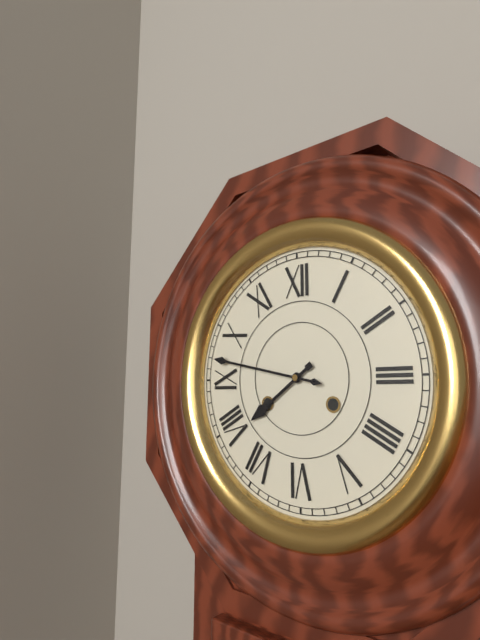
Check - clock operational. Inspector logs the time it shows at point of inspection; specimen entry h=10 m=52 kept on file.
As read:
h=7 m=47
